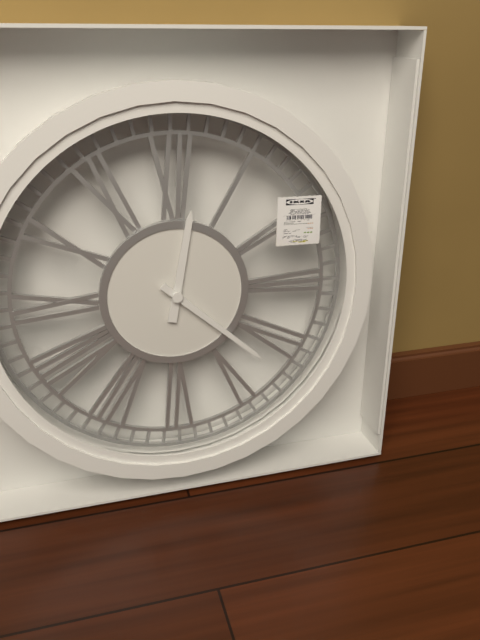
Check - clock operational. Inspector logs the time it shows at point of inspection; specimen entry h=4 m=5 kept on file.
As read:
h=12 m=22
